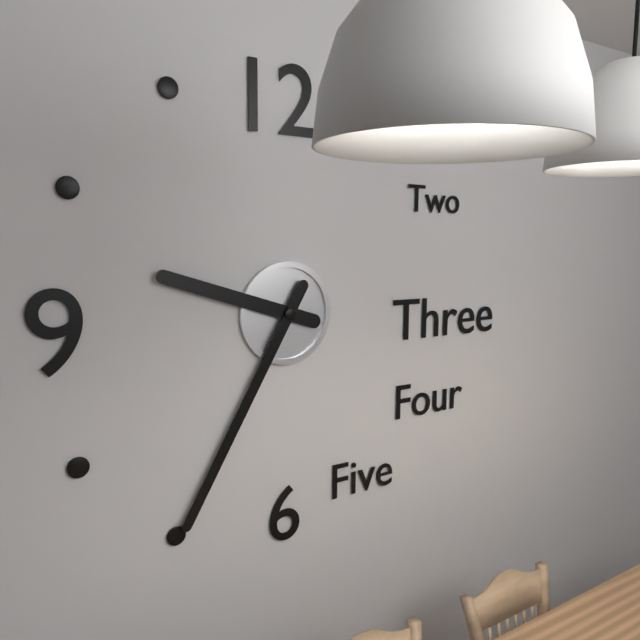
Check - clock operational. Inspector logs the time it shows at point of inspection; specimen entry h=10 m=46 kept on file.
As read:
h=9 m=35
